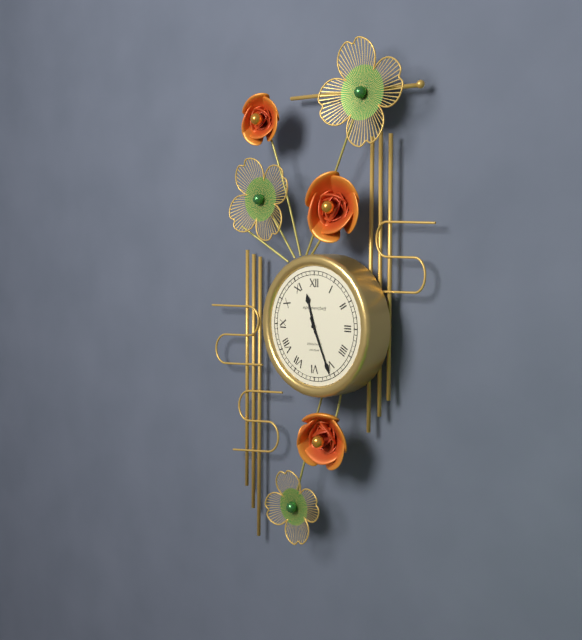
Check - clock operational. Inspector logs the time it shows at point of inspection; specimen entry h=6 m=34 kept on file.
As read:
h=11 m=26
